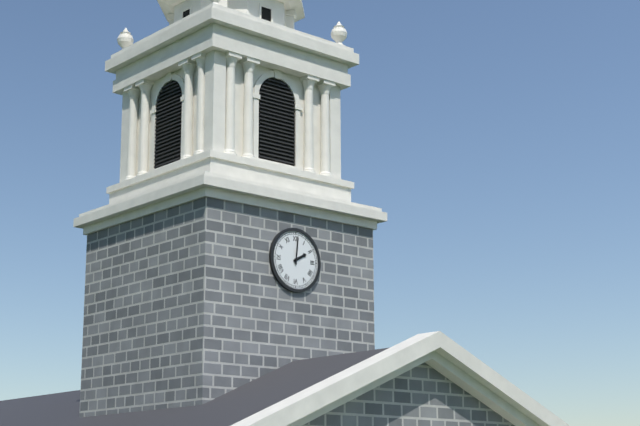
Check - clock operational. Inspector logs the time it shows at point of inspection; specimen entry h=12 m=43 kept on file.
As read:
h=2 m=1
